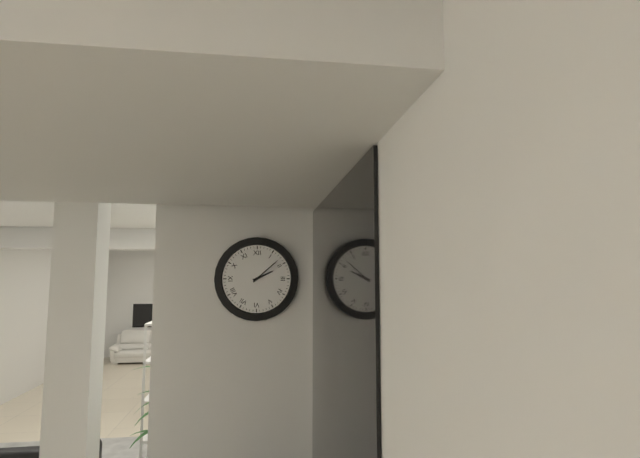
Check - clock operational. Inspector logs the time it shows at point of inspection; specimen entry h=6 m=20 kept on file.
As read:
h=2 m=8
